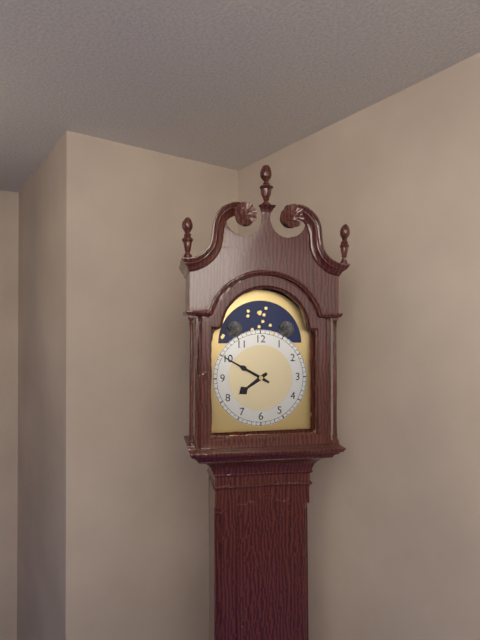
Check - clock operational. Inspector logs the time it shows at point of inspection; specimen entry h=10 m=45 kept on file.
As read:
h=7 m=50
